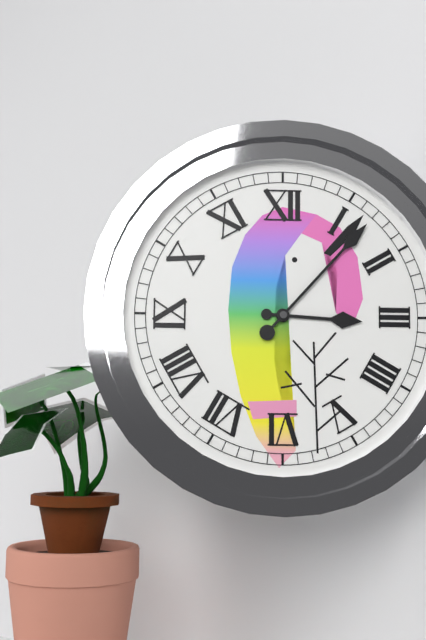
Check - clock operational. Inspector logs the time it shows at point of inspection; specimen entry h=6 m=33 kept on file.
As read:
h=3 m=7
